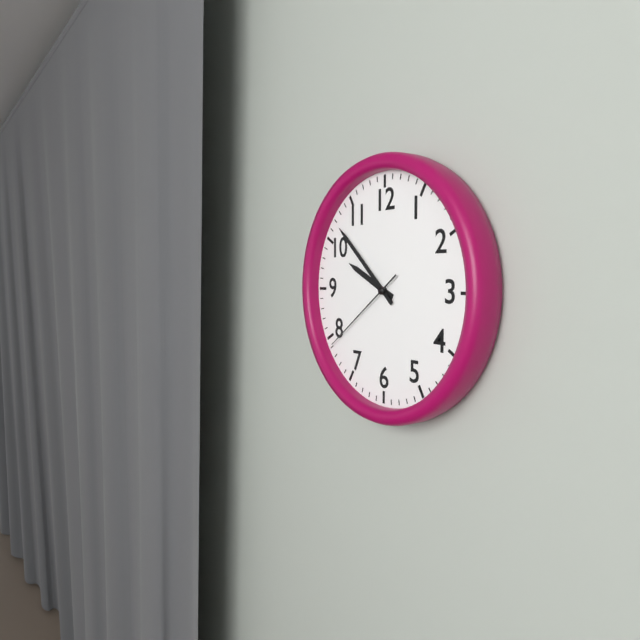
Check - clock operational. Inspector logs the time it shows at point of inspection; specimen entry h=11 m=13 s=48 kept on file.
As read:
h=9 m=52 s=39
